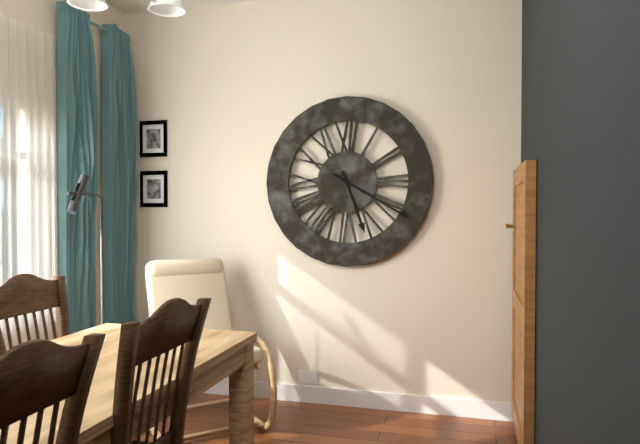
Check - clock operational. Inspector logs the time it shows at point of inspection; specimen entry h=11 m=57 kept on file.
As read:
h=5 m=20
